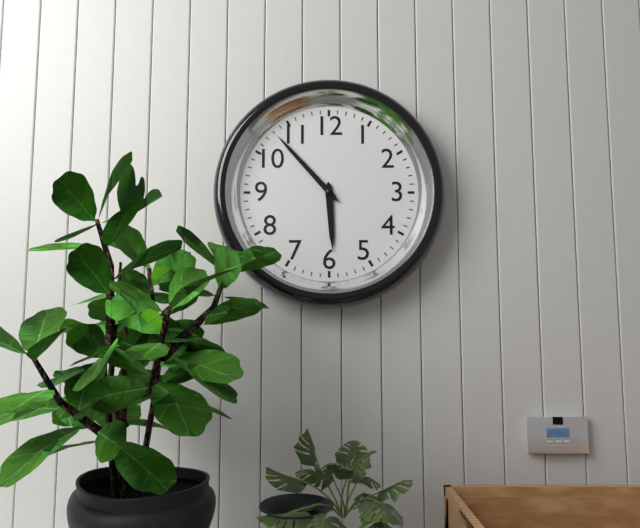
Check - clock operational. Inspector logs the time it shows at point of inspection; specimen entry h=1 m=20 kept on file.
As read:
h=5 m=53
